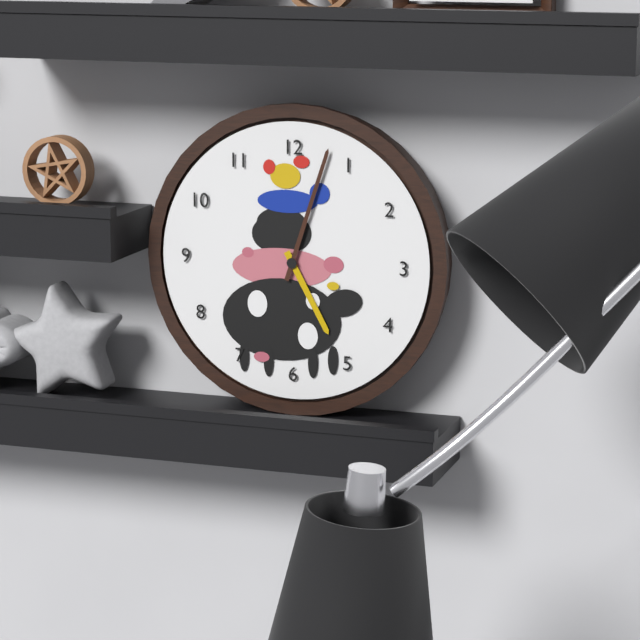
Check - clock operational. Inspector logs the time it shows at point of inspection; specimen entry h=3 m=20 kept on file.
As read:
h=5 m=3
